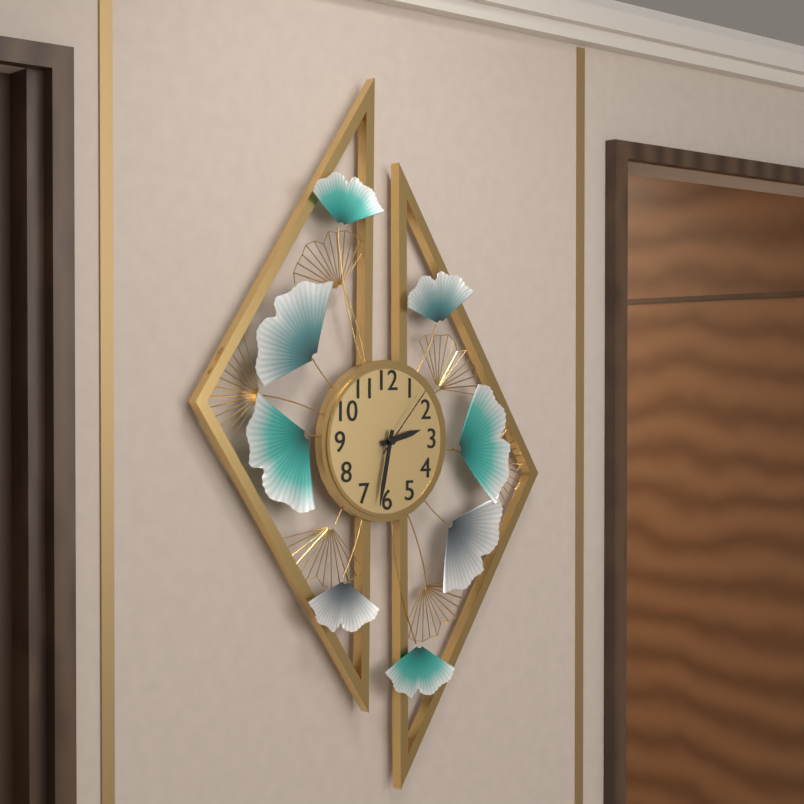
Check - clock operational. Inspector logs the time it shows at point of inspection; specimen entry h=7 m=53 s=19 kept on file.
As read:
h=2 m=32 s=7
